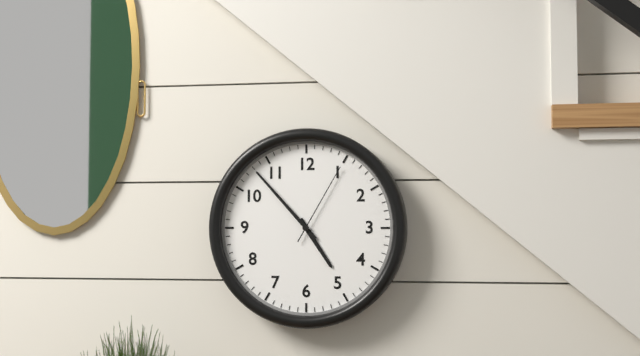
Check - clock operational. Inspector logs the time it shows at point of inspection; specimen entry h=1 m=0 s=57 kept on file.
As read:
h=4 m=53 s=5
